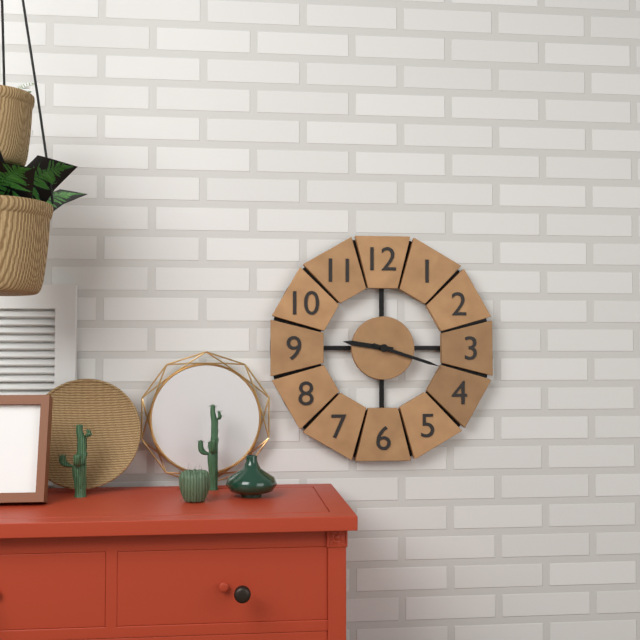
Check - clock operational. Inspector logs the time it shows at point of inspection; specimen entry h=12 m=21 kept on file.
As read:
h=9 m=18
